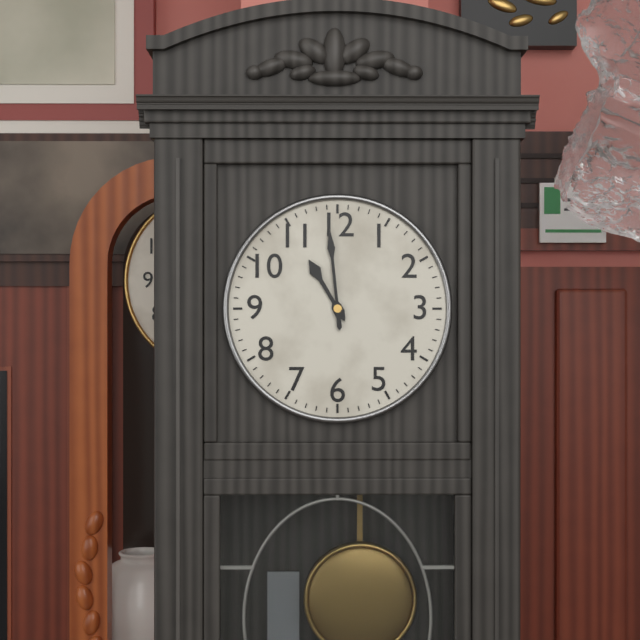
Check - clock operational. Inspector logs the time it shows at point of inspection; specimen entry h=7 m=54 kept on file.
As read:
h=10 m=59
